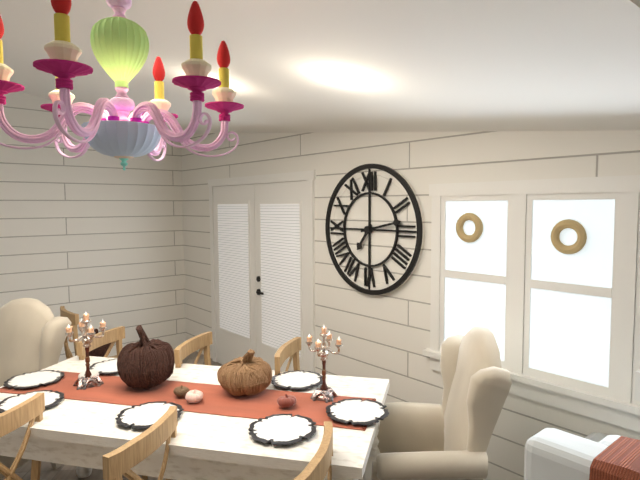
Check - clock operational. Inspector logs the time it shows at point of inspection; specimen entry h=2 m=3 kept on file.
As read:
h=7 m=13
